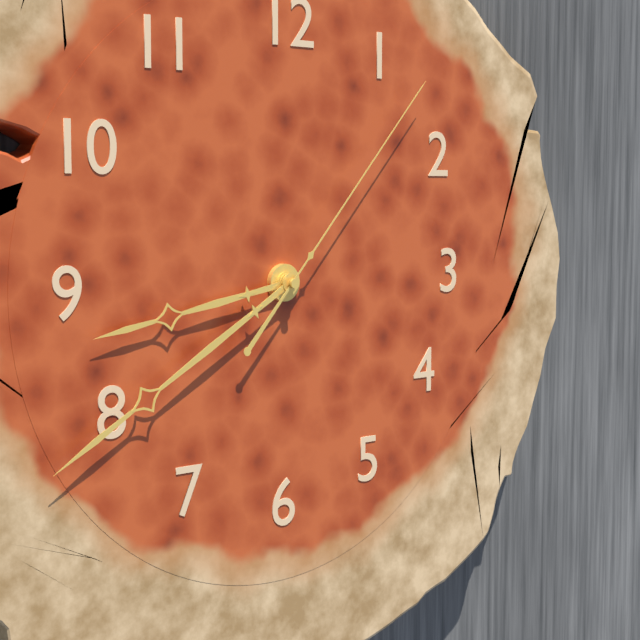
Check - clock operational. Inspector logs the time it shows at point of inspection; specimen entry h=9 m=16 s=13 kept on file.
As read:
h=8 m=40 s=7
